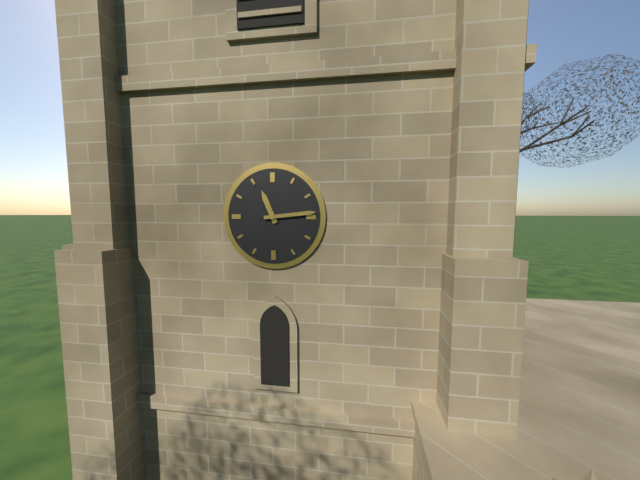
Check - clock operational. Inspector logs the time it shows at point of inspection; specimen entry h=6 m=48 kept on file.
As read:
h=11 m=14
